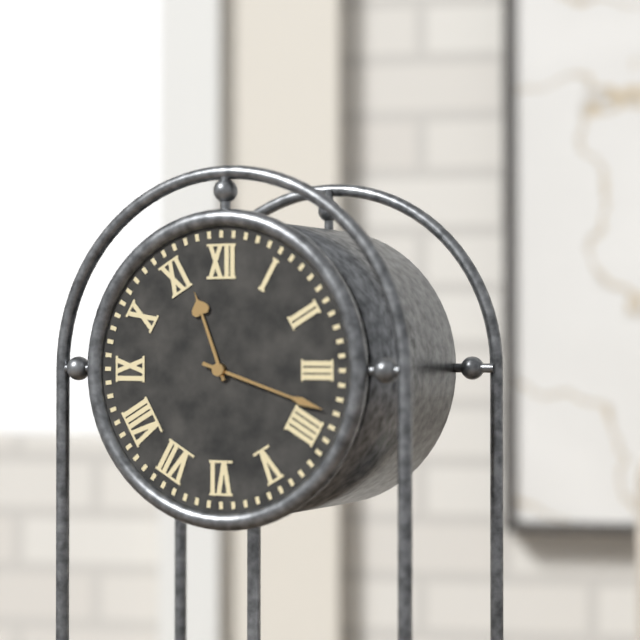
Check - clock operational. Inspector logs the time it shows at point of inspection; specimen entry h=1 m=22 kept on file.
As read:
h=11 m=18
